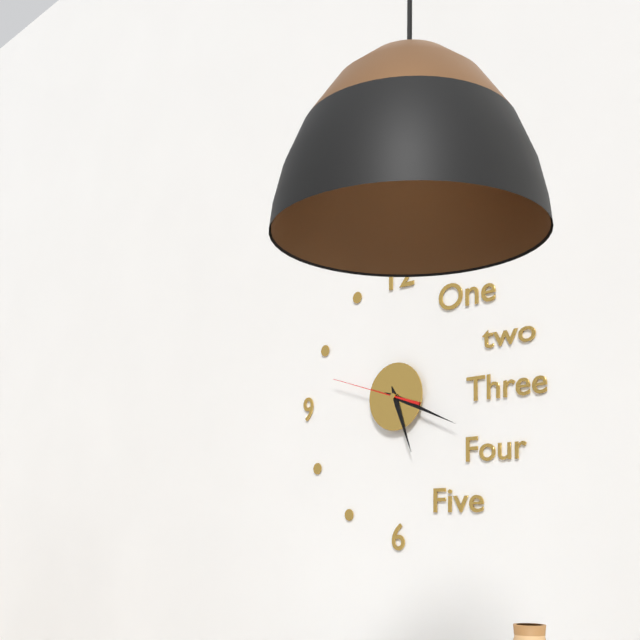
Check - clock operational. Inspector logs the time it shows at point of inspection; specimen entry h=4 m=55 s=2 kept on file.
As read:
h=5 m=19 s=48
